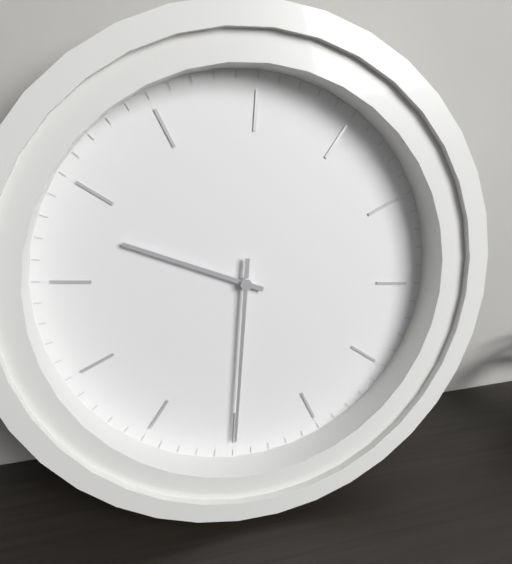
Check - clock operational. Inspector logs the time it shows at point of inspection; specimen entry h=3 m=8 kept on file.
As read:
h=10 m=35
